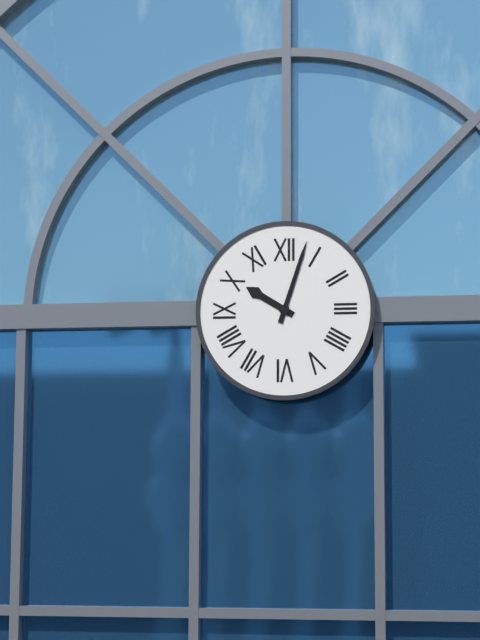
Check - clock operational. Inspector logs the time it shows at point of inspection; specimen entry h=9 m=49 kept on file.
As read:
h=10 m=3
